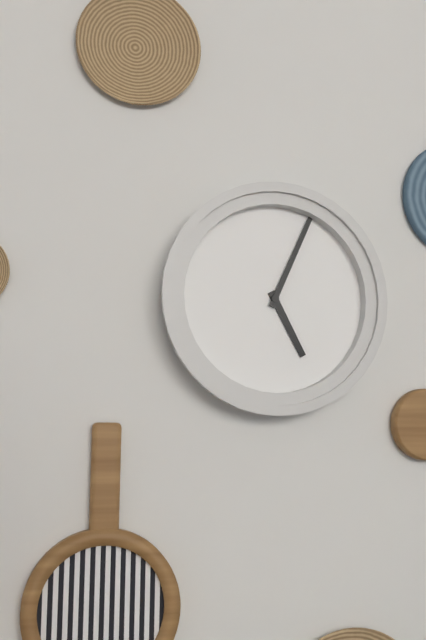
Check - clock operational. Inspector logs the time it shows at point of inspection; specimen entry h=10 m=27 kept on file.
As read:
h=5 m=4
